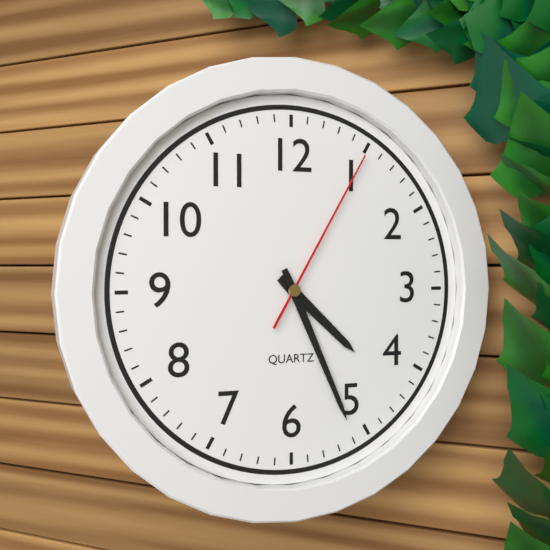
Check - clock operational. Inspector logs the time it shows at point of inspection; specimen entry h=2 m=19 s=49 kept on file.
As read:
h=4 m=26 s=5
